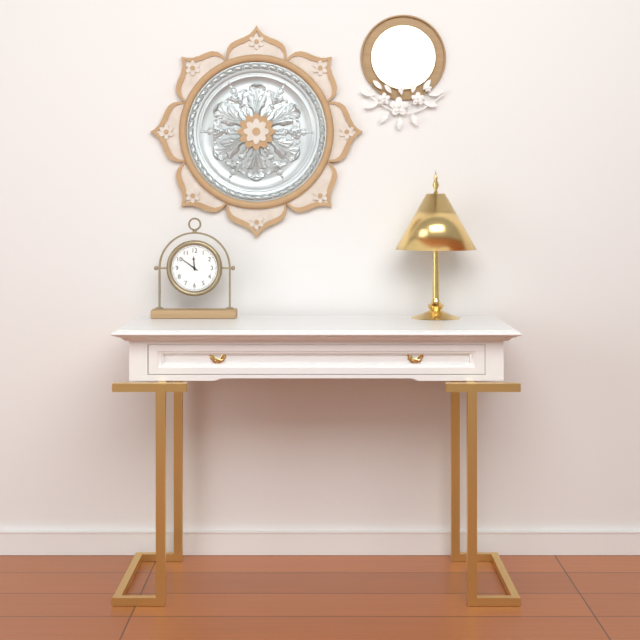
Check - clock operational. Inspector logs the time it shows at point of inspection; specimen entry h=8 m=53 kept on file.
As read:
h=11 m=51
